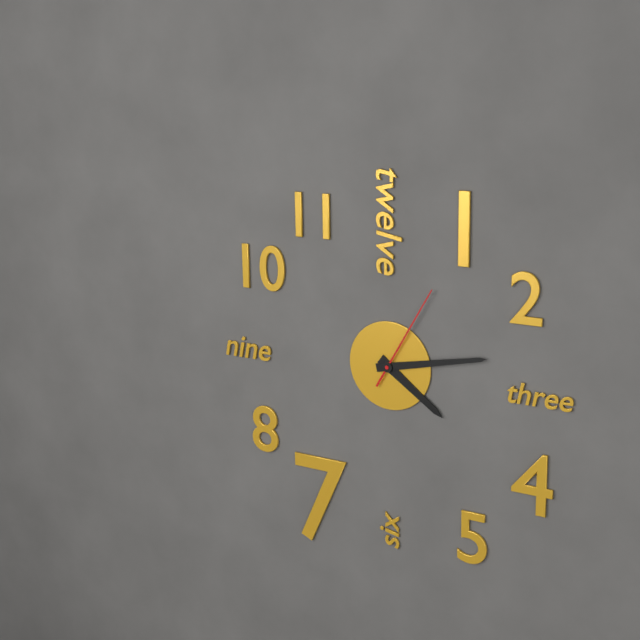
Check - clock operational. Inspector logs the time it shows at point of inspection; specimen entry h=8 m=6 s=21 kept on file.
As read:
h=4 m=13 s=5
